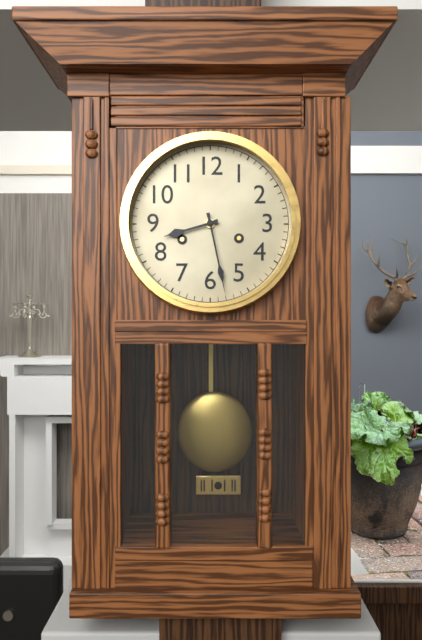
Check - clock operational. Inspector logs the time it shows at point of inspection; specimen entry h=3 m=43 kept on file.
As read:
h=8 m=28
